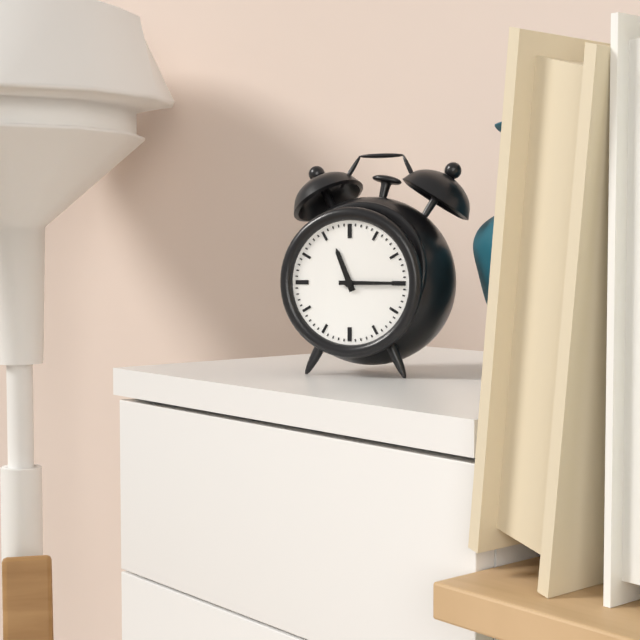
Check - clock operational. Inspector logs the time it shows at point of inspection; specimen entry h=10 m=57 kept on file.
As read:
h=11 m=15
